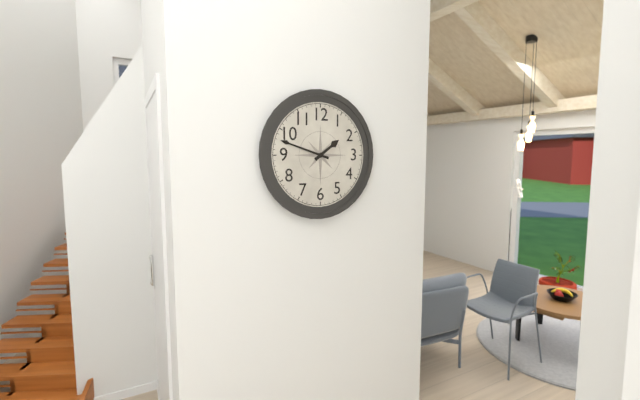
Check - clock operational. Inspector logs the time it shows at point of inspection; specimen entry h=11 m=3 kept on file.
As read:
h=1 m=48
